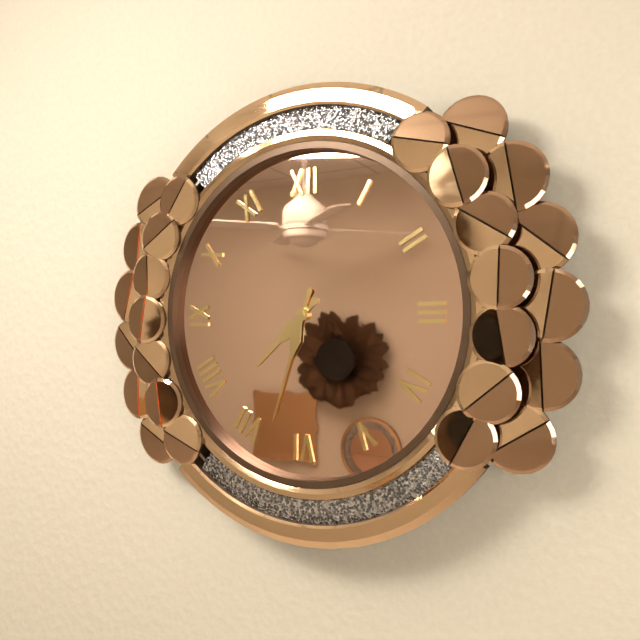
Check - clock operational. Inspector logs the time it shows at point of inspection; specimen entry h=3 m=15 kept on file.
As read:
h=7 m=33
